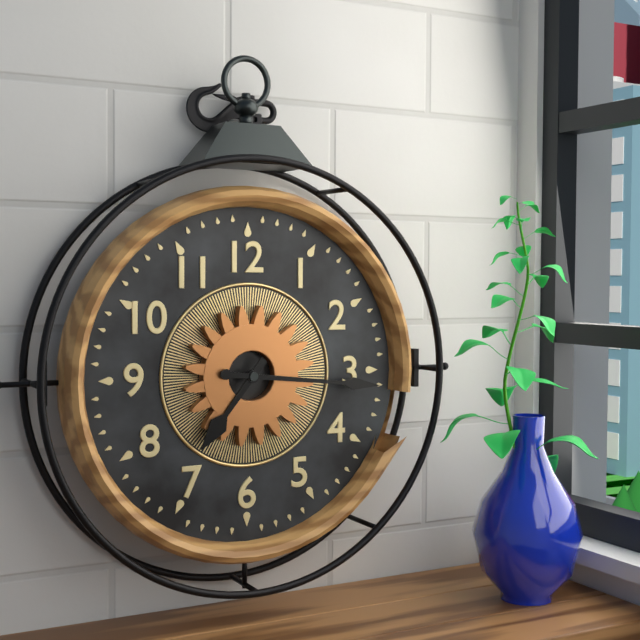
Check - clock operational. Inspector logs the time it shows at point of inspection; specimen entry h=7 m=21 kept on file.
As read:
h=7 m=16
